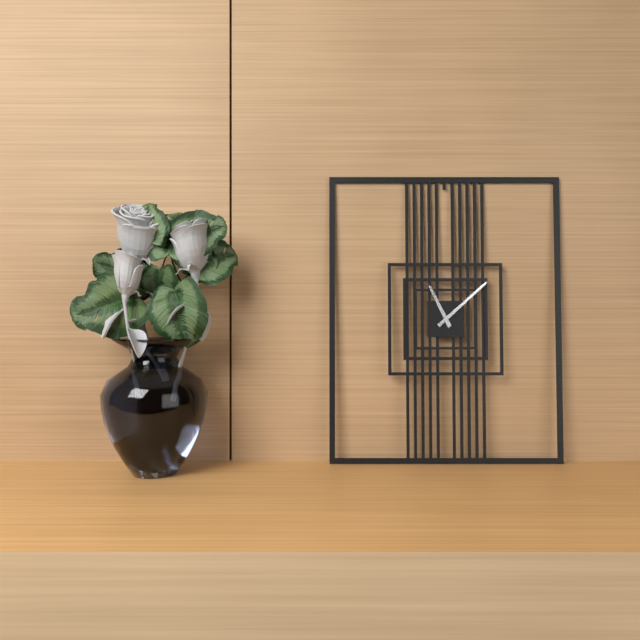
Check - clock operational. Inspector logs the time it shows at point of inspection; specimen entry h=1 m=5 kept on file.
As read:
h=11 m=8
